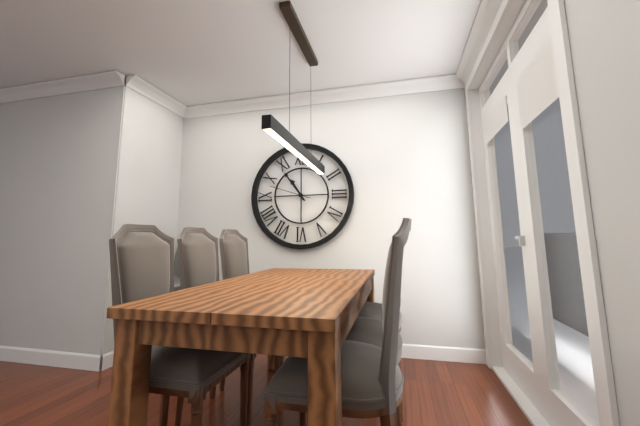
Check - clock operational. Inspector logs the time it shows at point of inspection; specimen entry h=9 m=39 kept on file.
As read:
h=10 m=54
